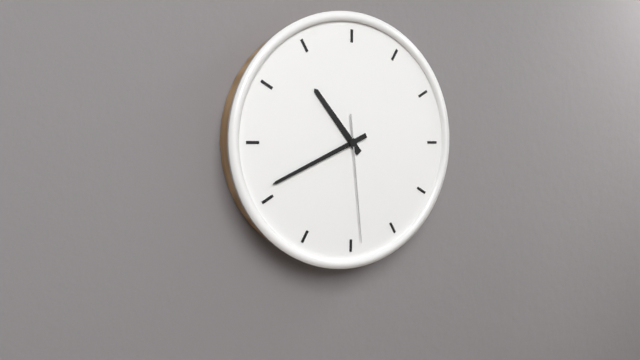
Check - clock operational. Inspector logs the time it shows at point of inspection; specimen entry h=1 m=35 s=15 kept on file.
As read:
h=10 m=41 s=29
